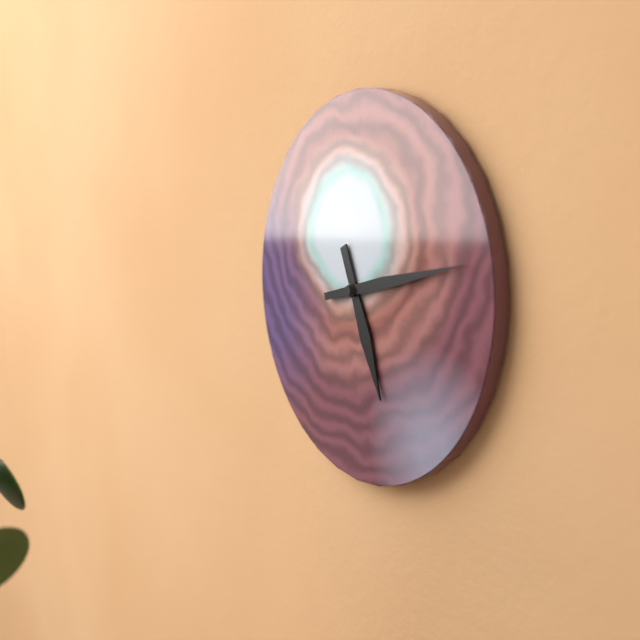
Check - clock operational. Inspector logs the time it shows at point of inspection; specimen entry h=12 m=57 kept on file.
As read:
h=5 m=13
